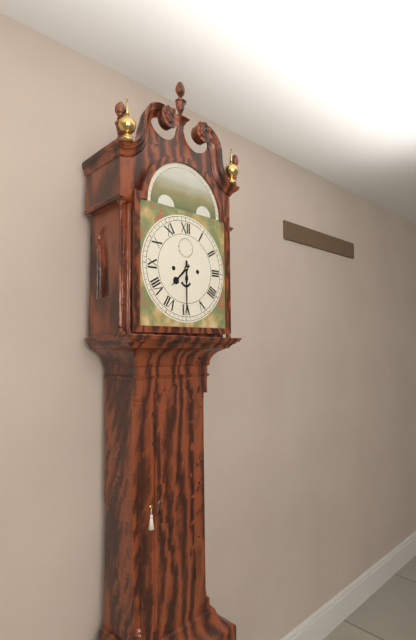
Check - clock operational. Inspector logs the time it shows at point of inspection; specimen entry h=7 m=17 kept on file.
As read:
h=7 m=30
